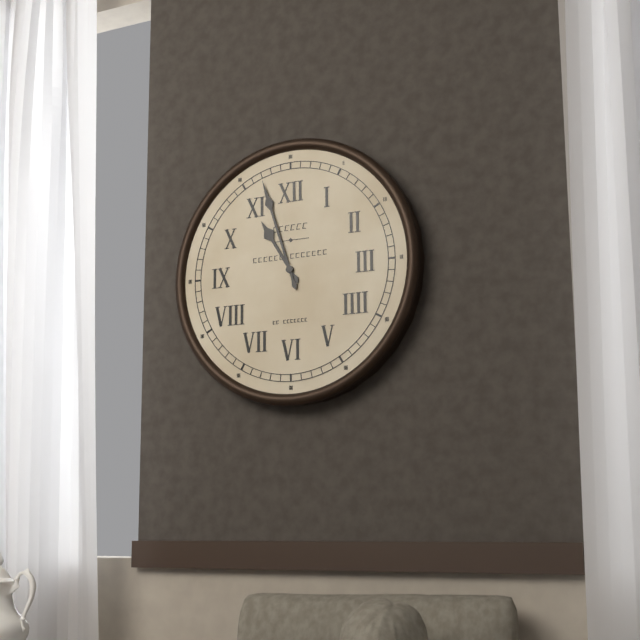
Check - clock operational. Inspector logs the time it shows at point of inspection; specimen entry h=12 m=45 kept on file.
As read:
h=10 m=57
